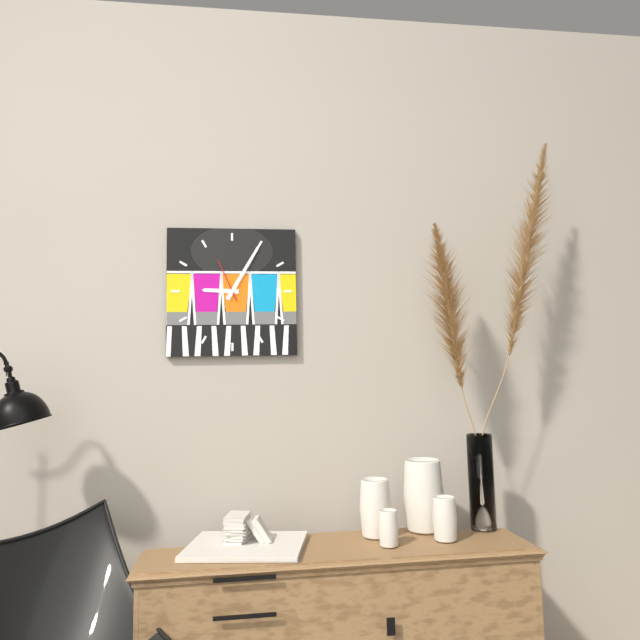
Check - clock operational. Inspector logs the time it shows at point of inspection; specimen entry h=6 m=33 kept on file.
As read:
h=9 m=5
